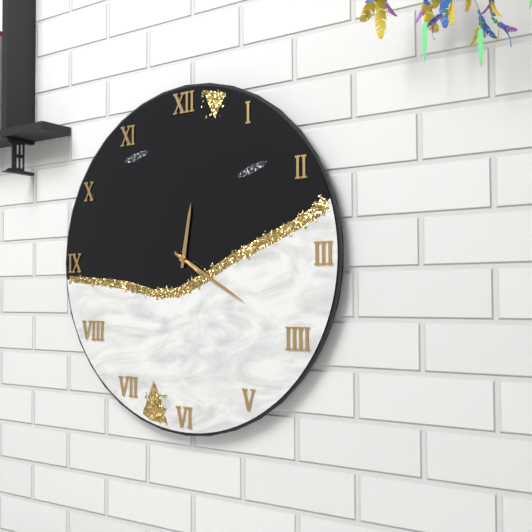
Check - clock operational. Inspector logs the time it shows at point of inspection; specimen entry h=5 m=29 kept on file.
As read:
h=12 m=20
